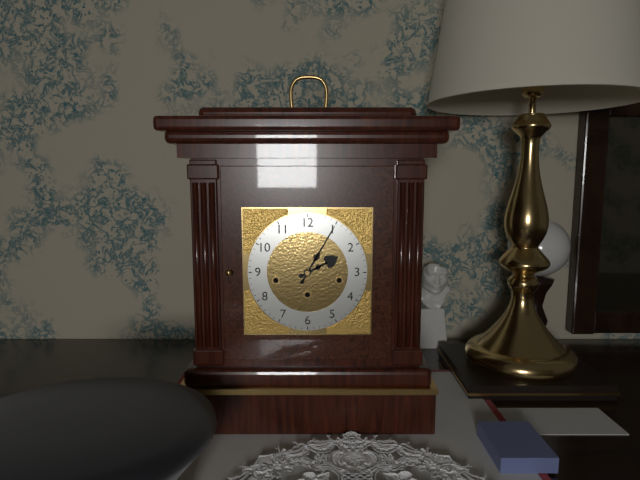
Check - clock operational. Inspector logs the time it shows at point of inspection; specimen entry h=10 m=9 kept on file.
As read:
h=2 m=5
